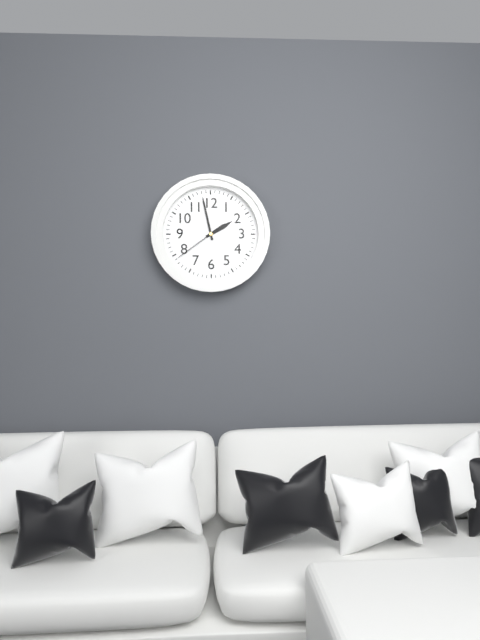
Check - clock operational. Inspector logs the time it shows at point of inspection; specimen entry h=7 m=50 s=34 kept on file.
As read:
h=1 m=58 s=39
